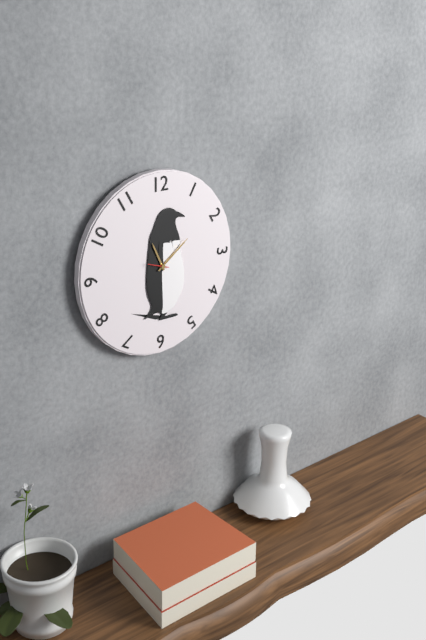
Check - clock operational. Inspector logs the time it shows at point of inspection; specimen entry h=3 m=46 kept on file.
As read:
h=11 m=9
